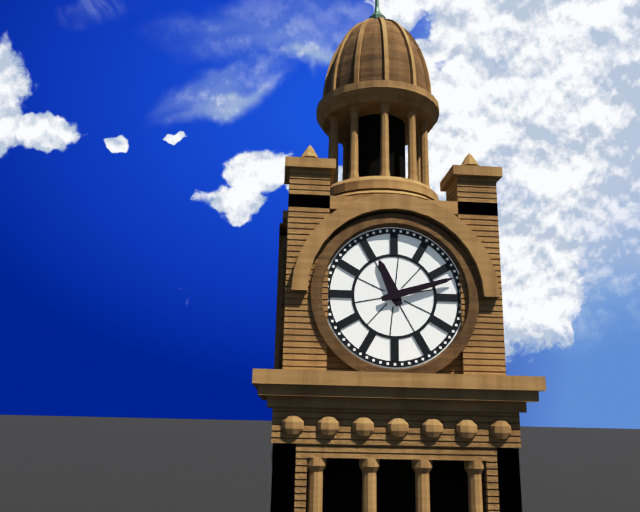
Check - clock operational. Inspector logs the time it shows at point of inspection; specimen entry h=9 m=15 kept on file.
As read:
h=11 m=12
